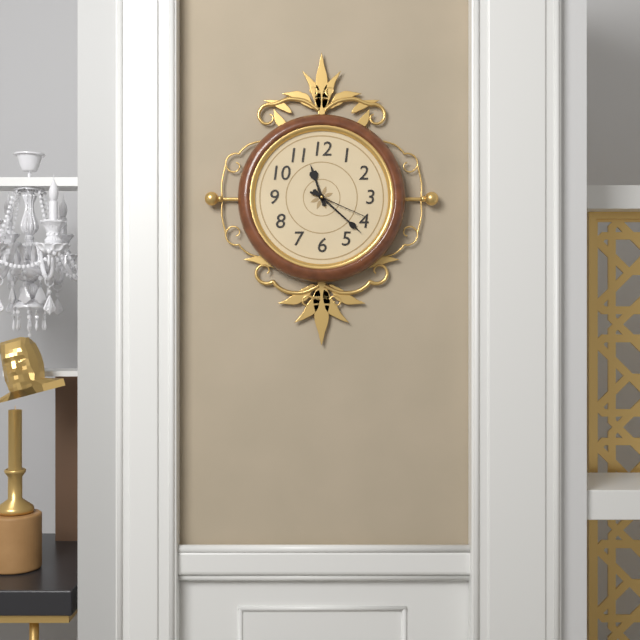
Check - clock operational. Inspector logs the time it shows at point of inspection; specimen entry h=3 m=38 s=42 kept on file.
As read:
h=11 m=22 s=19
